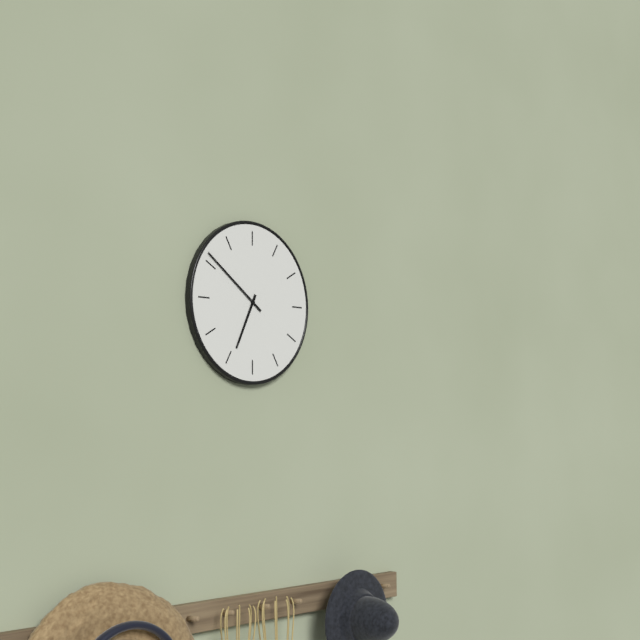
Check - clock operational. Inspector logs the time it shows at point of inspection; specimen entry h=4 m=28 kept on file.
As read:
h=6 m=51
